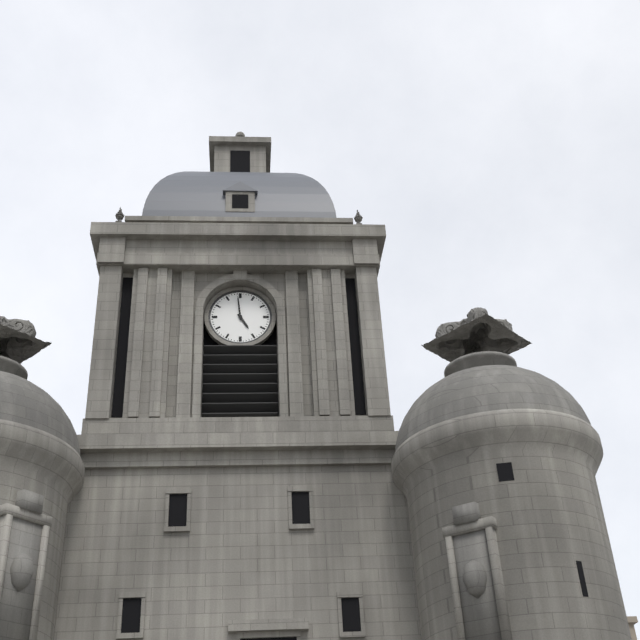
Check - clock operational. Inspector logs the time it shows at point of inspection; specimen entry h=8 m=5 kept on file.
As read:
h=4 m=59
